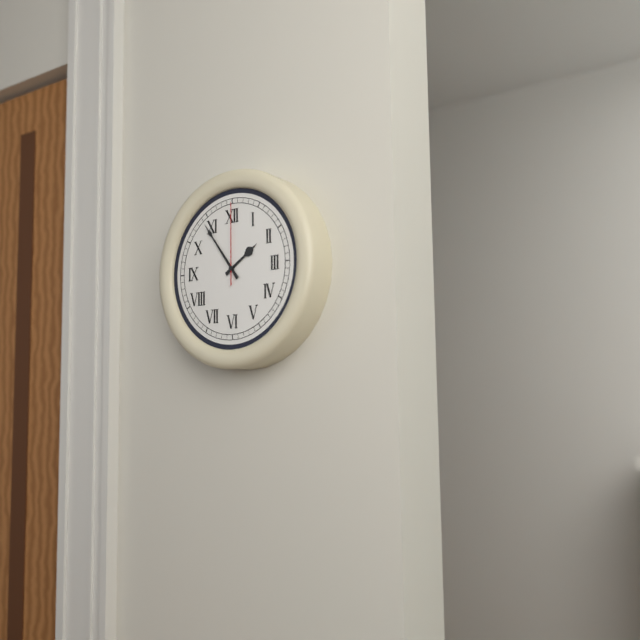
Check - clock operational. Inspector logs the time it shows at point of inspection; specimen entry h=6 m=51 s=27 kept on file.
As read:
h=1 m=54 s=0
